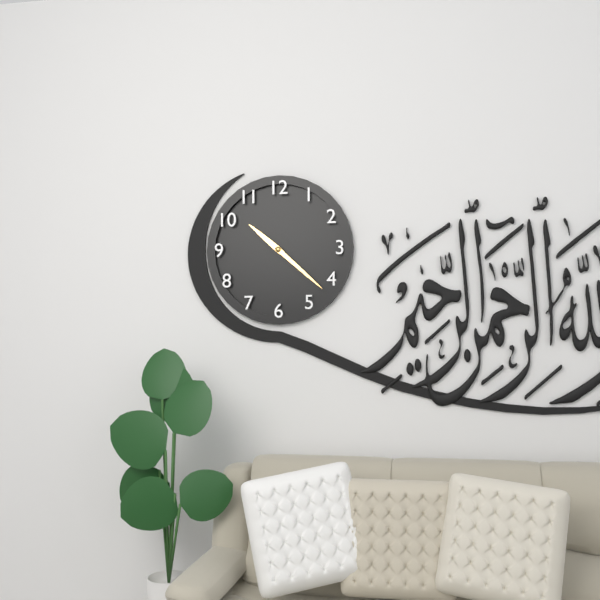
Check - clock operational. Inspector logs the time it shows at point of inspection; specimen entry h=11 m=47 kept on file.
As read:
h=10 m=22
